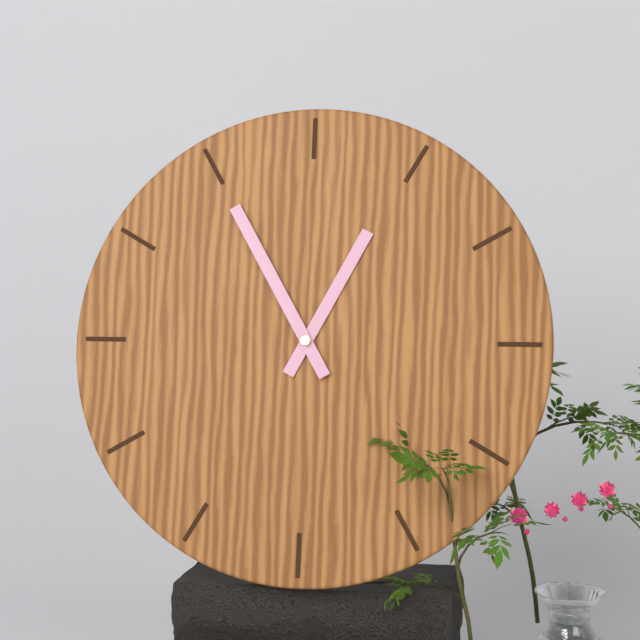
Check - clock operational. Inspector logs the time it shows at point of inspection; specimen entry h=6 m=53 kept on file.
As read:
h=12 m=55
